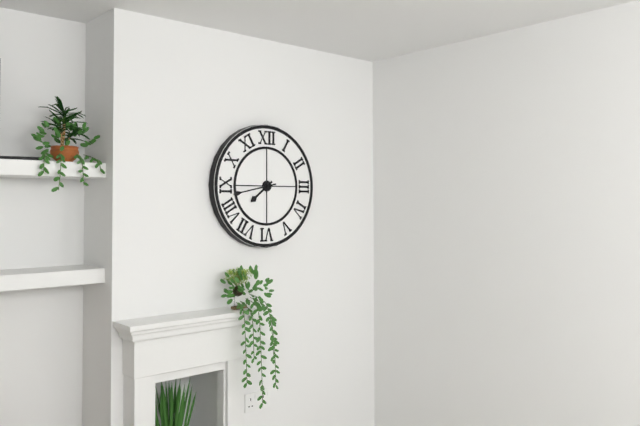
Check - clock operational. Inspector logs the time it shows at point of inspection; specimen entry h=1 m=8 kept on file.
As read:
h=7 m=43
